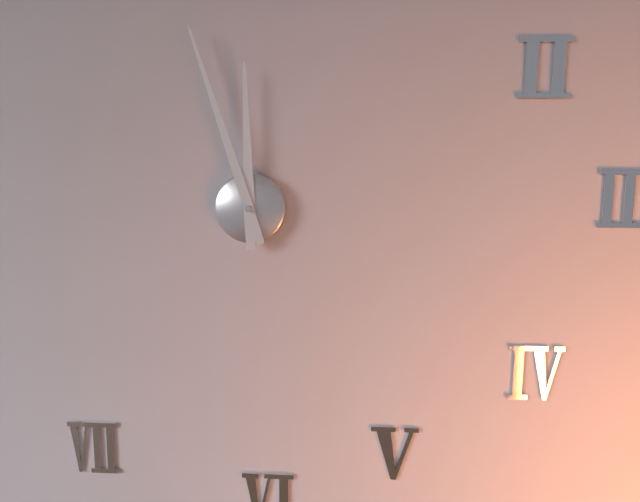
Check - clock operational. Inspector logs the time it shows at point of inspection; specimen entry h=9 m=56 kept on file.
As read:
h=11 m=57
